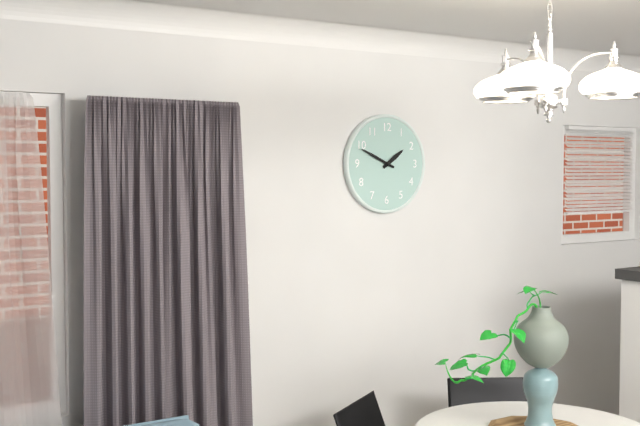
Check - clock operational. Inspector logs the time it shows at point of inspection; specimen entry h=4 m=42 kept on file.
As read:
h=1 m=49
